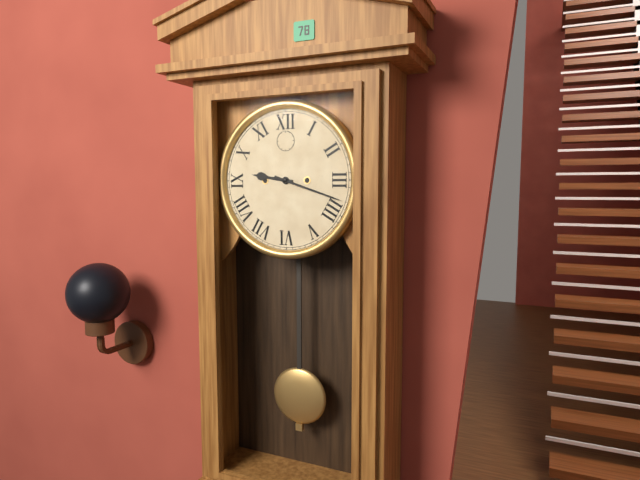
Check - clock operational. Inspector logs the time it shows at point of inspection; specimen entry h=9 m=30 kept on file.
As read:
h=9 m=18
